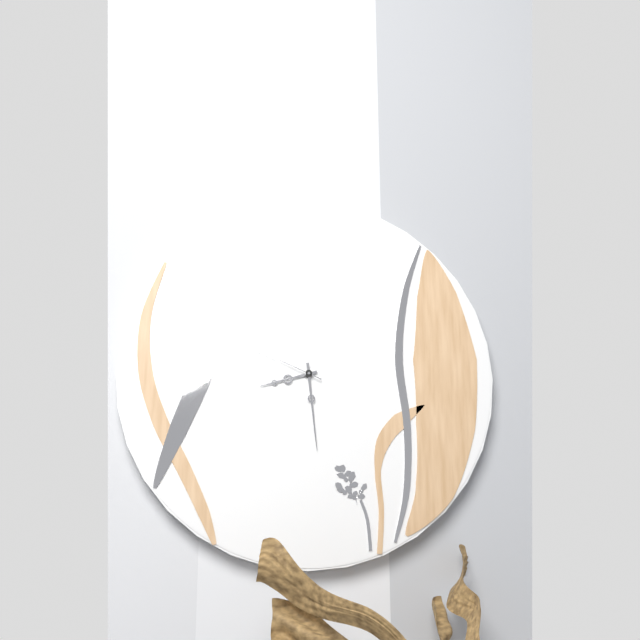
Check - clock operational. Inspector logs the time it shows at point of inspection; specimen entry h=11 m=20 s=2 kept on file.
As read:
h=8 m=29 s=49
